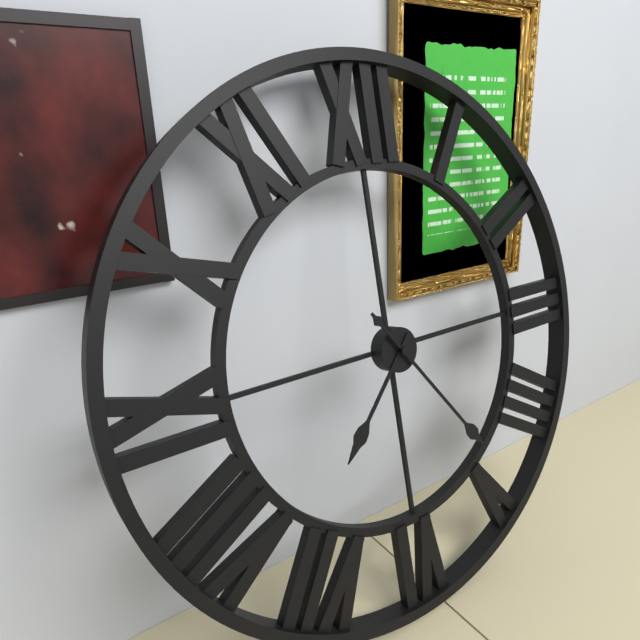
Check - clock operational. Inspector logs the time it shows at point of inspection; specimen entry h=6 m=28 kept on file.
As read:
h=7 m=24
